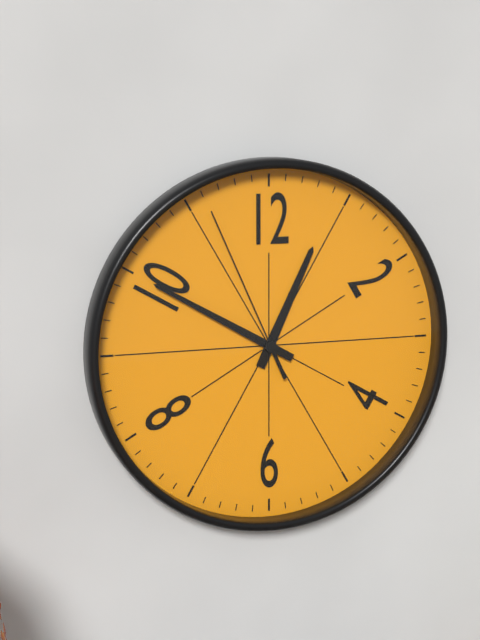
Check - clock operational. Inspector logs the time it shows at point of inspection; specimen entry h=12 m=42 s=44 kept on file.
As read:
h=12 m=50 s=56
